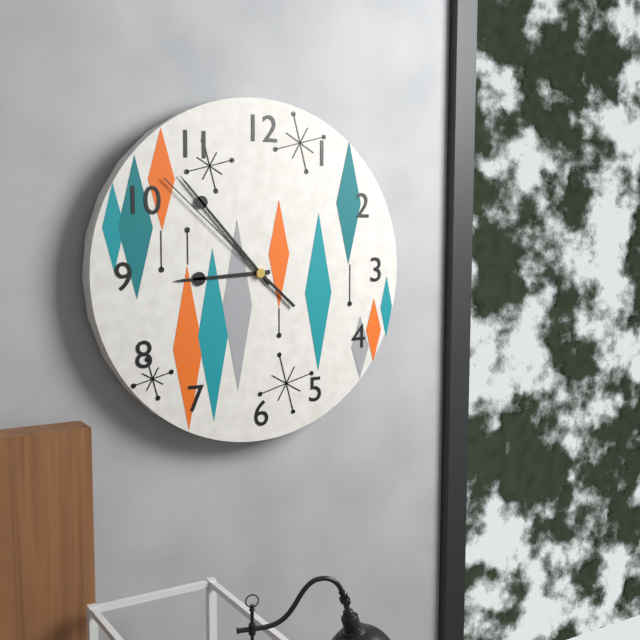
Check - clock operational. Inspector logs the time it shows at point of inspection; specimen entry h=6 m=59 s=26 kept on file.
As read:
h=8 m=53 s=52
